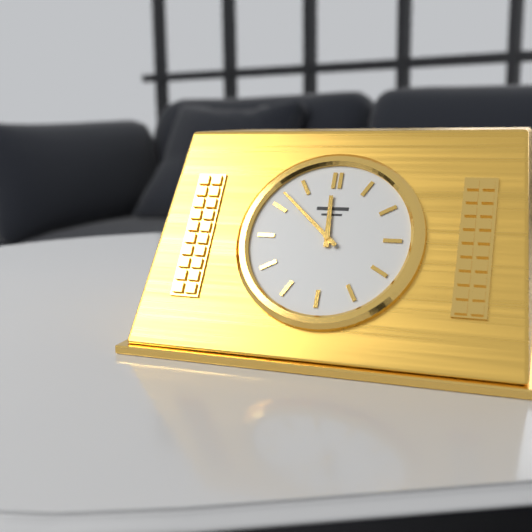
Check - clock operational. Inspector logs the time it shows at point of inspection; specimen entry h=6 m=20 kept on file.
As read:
h=11 m=52
